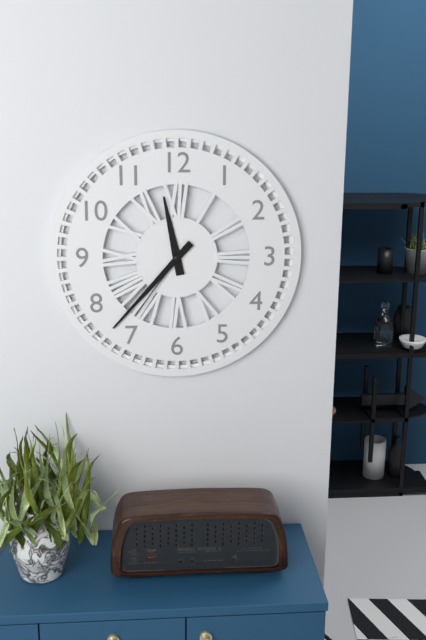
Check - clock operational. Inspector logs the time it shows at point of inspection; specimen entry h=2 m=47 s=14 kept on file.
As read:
h=11 m=37 s=36
